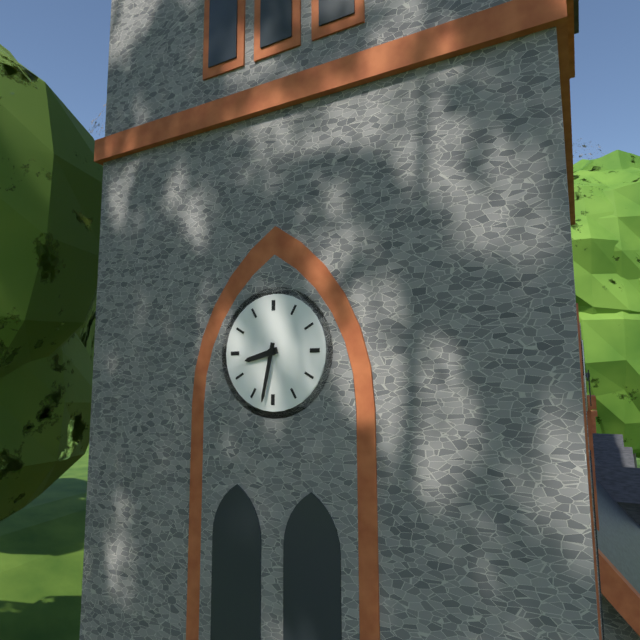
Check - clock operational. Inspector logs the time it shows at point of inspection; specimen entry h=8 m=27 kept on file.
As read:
h=8 m=32
